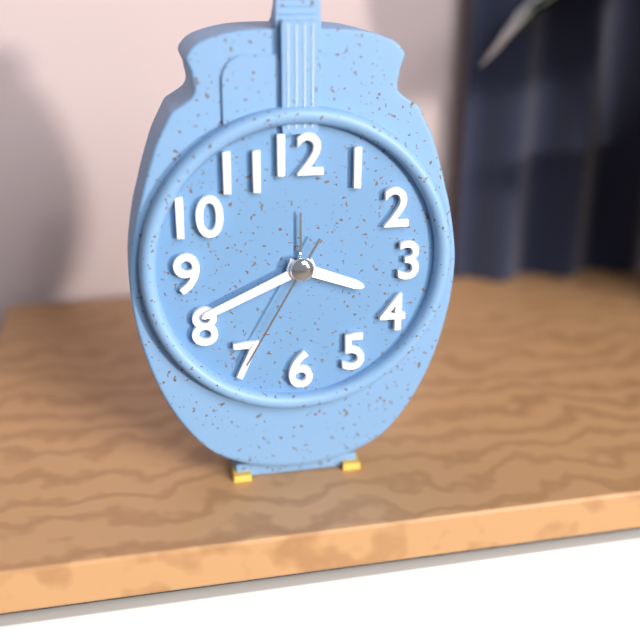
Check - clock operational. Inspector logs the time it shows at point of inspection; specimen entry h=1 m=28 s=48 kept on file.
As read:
h=3 m=41 s=35
